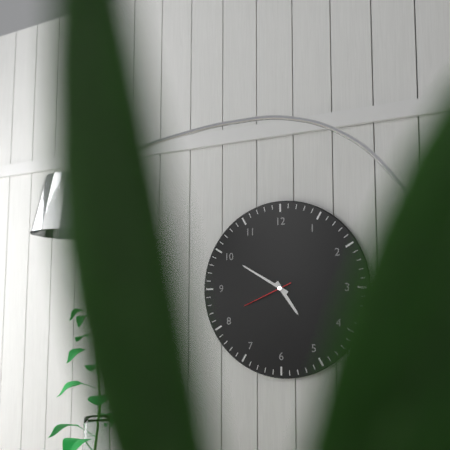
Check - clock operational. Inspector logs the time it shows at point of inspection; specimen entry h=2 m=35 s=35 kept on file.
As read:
h=4 m=50 s=41
